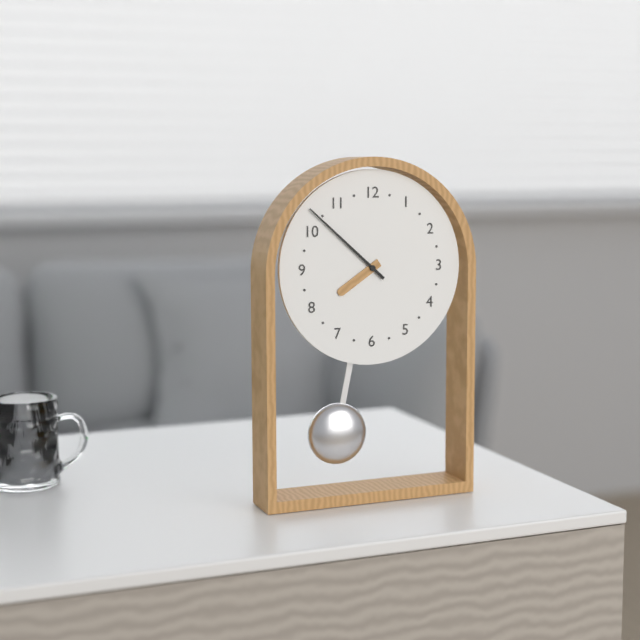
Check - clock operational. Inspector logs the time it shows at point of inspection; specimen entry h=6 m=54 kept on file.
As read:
h=7 m=52
